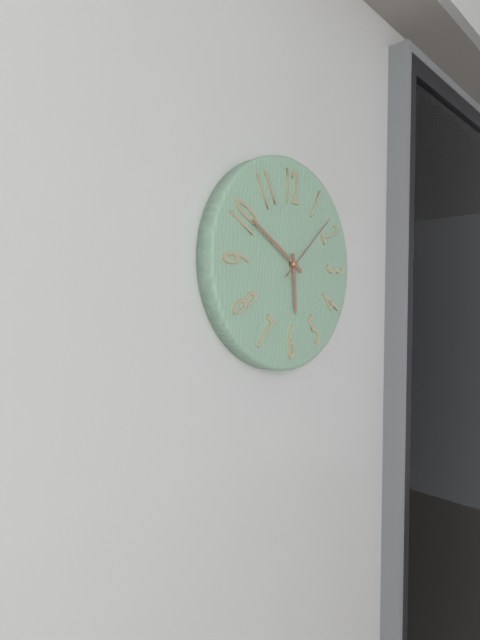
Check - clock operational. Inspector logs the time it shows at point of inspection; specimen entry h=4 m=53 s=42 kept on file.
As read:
h=5 m=50 s=8
